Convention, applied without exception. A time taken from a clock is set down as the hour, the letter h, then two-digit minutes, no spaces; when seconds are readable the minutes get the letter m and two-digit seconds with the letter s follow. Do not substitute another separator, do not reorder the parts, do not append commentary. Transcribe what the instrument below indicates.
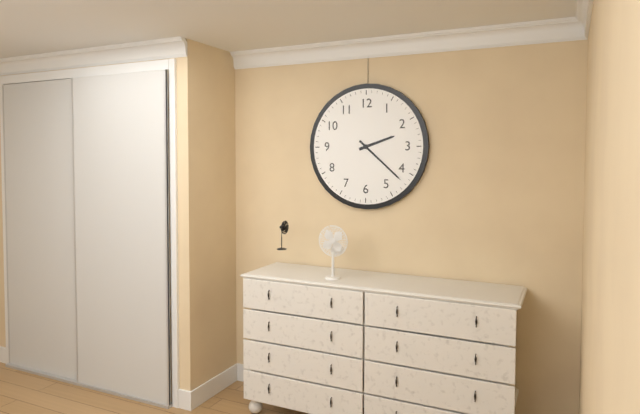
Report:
2h22
